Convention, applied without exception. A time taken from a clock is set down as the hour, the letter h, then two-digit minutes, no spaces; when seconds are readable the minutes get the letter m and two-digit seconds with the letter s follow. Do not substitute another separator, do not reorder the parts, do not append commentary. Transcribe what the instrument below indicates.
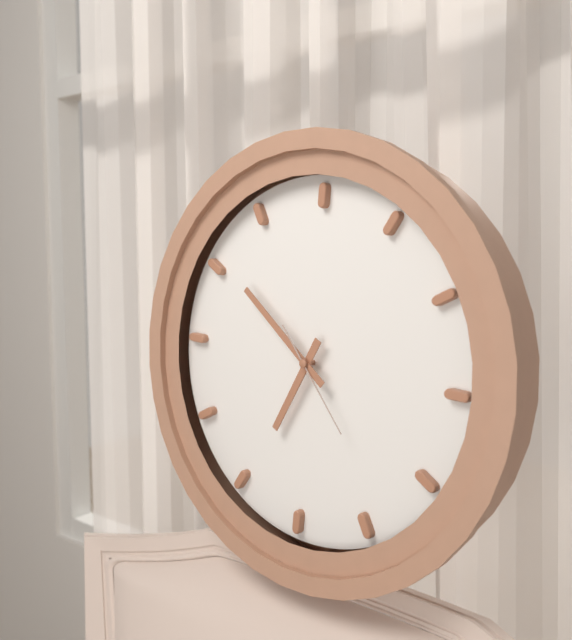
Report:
6h51m23s
